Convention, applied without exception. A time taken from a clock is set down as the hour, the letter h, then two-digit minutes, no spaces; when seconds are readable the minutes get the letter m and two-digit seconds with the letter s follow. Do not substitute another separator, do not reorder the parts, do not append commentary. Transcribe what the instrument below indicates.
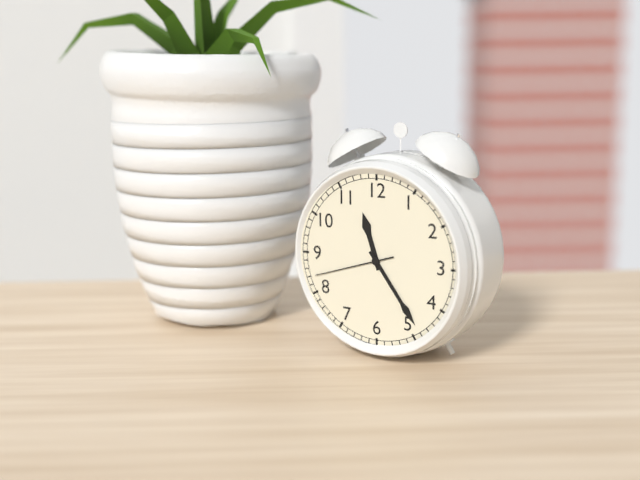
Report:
11h24m42s
